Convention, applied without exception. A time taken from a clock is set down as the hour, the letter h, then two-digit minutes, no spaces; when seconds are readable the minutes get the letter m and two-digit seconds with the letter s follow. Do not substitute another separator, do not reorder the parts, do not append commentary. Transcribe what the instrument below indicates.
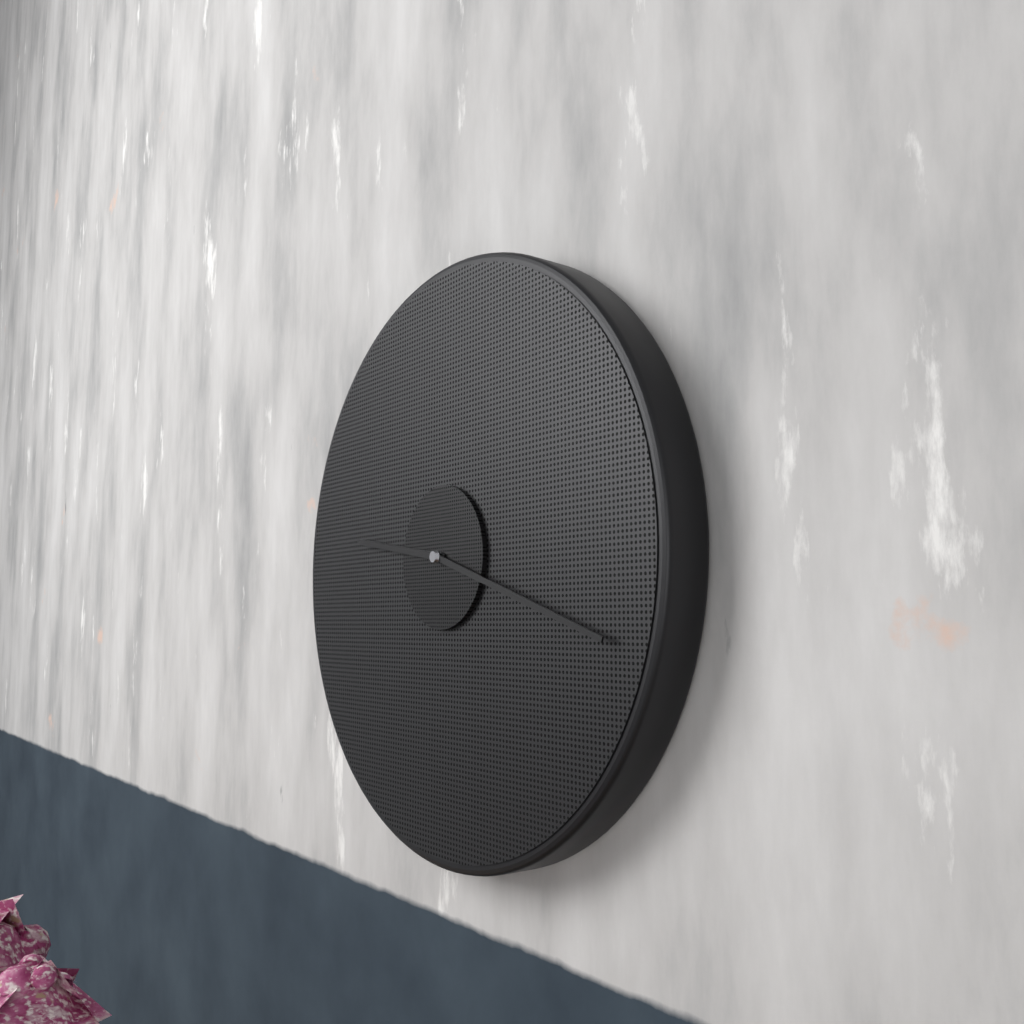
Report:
9h18
